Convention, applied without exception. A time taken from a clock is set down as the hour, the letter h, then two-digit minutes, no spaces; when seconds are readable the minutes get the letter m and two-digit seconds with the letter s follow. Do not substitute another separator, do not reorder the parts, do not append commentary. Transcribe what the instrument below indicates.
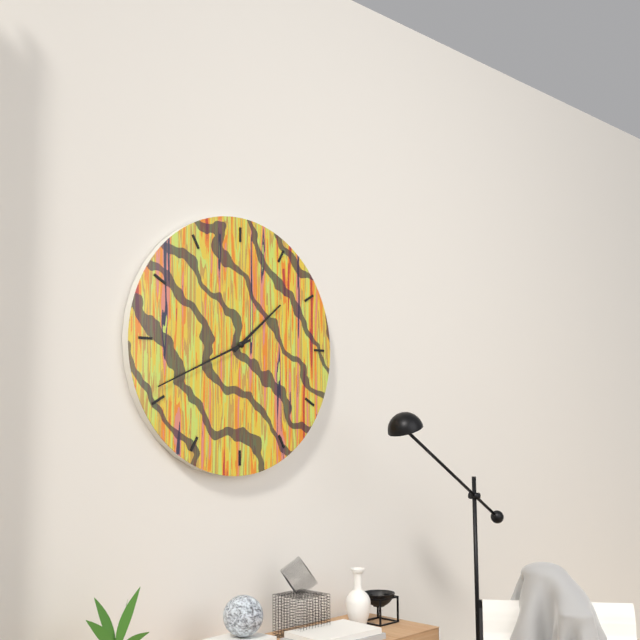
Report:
1h41
